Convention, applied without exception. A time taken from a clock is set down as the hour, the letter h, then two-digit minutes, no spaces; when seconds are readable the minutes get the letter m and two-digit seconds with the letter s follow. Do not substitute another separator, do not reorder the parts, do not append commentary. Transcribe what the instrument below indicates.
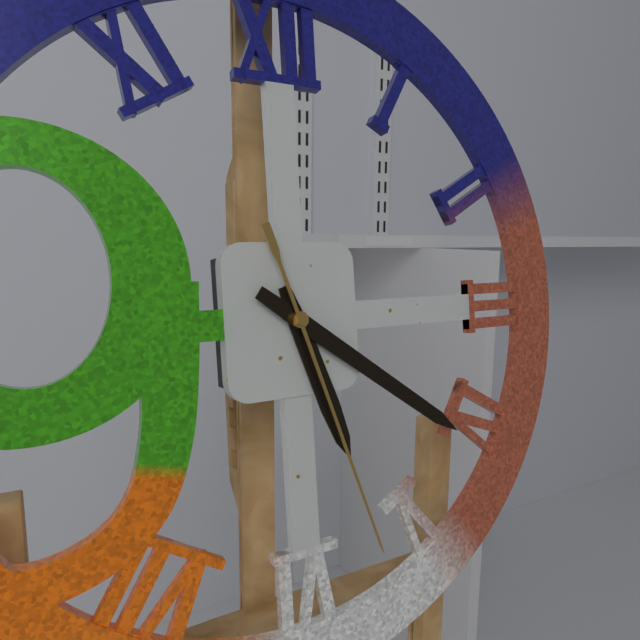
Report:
5h21m27s
